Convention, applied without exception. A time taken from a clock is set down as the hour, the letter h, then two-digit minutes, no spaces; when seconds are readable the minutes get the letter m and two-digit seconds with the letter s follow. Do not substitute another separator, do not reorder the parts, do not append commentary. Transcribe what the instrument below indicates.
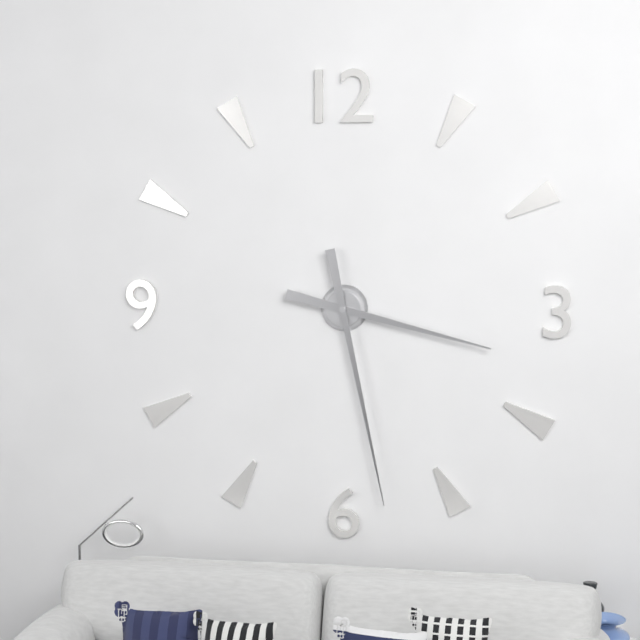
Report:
3h28
